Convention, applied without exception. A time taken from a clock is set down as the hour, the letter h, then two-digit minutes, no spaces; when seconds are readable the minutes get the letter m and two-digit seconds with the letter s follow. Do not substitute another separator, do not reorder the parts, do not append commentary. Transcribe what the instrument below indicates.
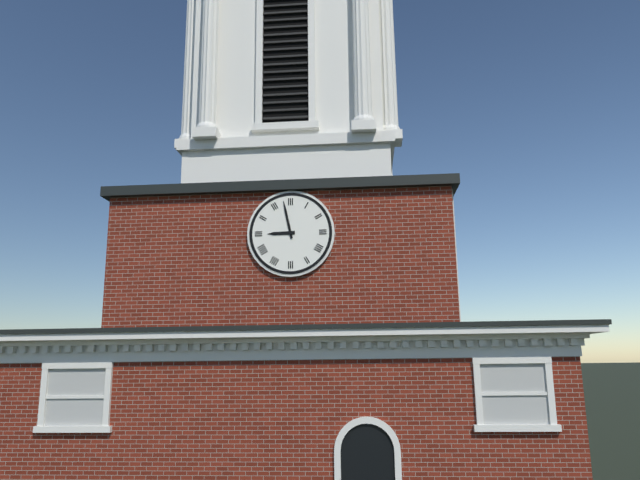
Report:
8h58
